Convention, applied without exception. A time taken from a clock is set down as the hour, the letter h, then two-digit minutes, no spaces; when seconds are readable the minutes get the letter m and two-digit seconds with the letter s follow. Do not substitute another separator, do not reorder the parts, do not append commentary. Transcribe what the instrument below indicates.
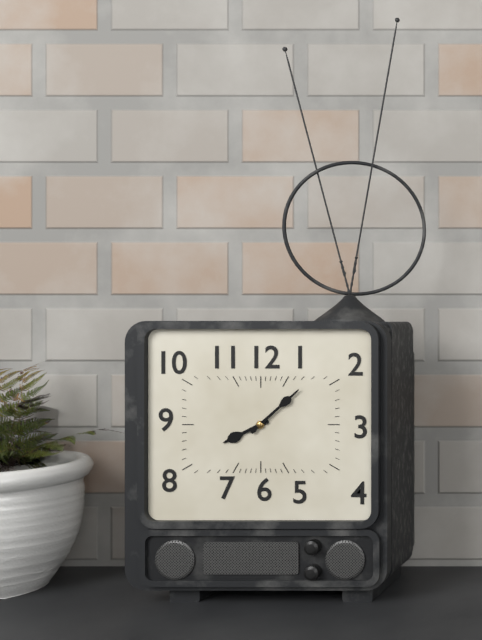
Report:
8h08
